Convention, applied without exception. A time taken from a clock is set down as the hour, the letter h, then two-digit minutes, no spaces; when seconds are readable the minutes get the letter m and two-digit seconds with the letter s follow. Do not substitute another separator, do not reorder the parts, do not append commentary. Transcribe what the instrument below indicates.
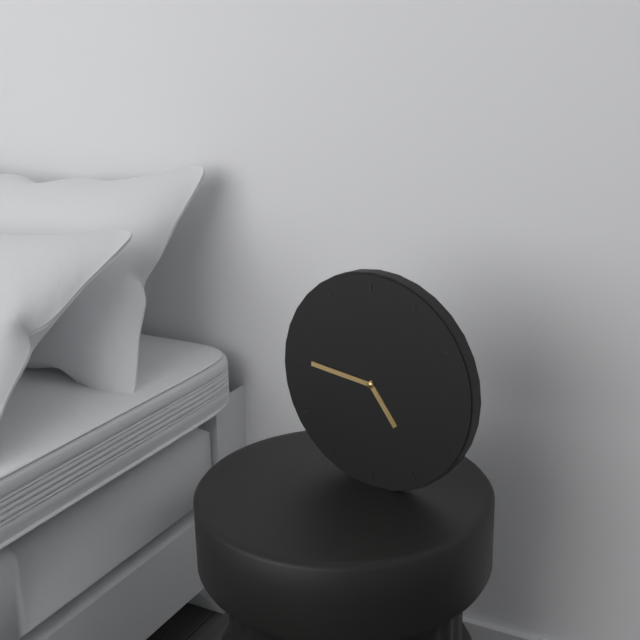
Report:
4h46
